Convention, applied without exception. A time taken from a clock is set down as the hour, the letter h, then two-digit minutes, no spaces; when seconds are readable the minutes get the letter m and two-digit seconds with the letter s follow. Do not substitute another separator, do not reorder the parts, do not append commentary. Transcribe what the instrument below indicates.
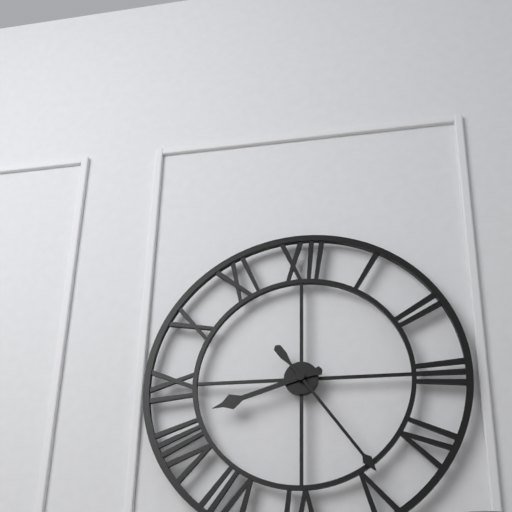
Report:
8h24
